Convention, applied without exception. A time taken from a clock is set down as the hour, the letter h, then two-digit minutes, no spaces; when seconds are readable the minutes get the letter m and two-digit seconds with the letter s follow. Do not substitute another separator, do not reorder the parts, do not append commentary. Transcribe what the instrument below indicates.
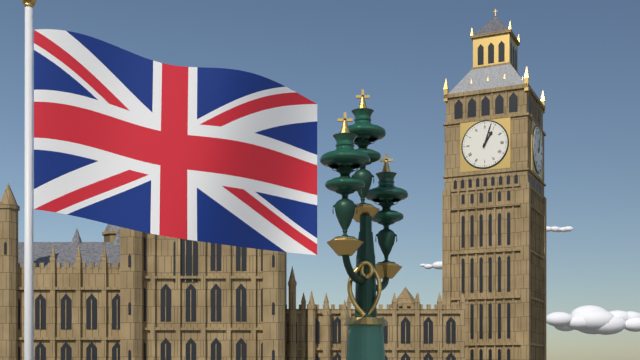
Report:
1h03
